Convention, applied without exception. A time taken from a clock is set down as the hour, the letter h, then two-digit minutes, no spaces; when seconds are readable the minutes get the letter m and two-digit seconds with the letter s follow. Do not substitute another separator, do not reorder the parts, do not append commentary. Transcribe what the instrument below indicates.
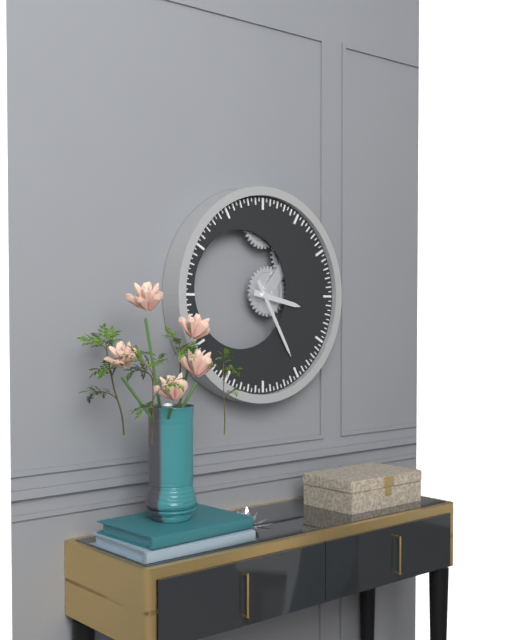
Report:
3h25
